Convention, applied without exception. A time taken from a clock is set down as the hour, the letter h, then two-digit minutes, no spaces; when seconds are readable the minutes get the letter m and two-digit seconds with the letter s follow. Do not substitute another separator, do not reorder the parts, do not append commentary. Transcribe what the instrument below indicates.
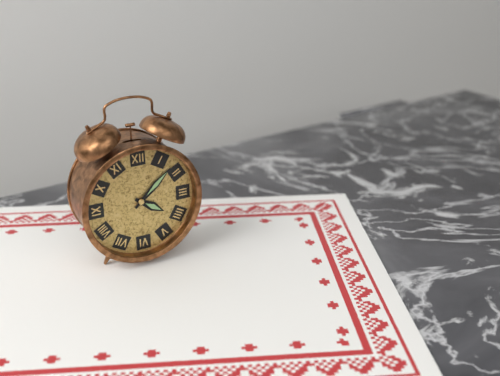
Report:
4h08
